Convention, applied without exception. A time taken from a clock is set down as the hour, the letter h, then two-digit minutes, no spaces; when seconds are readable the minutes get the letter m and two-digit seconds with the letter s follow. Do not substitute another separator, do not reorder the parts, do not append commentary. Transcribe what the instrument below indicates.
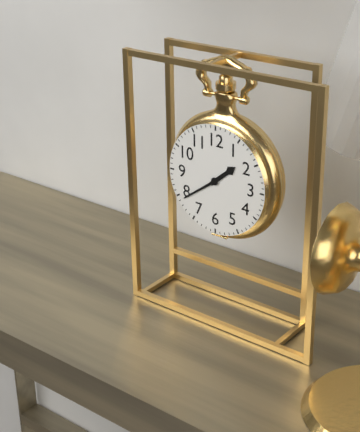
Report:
1h39
